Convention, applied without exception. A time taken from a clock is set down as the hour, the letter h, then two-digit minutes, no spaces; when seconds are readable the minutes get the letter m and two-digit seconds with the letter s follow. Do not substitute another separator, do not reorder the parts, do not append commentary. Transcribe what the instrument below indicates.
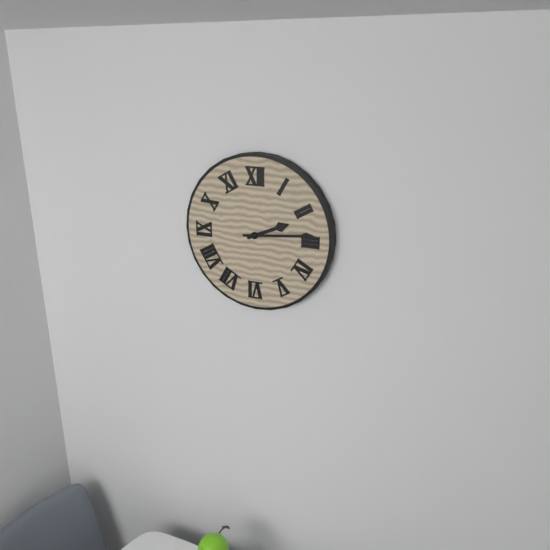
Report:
2h14
